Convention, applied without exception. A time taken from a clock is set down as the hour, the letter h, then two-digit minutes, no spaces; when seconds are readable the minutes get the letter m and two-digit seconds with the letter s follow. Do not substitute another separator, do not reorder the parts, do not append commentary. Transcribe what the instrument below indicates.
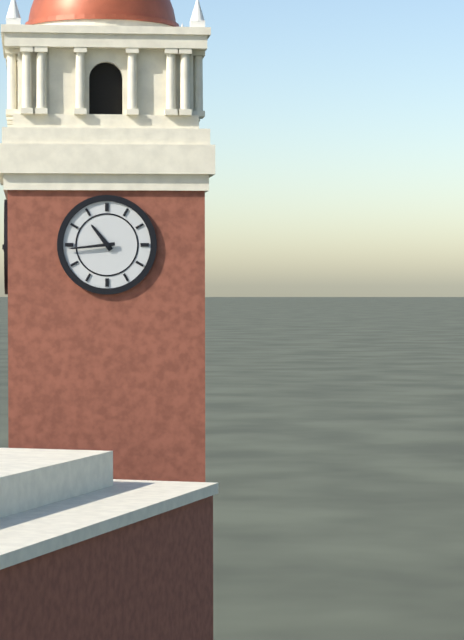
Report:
10h44
